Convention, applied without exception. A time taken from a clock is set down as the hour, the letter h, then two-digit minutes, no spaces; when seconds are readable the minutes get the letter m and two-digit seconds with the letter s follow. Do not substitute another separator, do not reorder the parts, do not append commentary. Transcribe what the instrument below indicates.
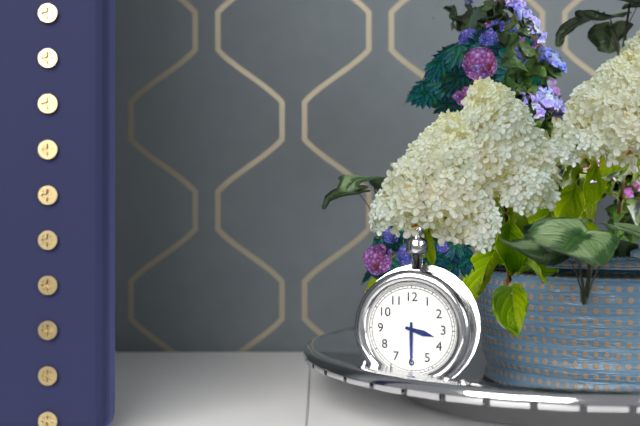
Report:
3h30
